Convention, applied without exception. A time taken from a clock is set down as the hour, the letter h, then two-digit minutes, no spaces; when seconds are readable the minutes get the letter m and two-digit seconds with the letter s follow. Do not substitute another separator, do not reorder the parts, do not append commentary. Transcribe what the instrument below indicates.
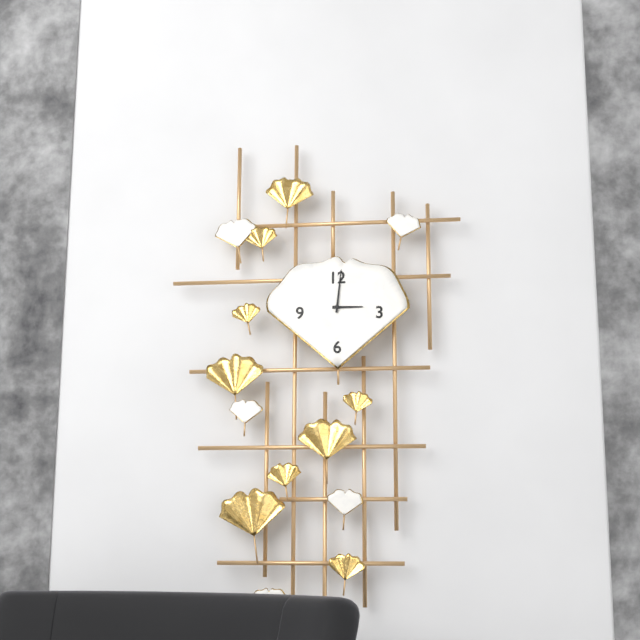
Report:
3h01
